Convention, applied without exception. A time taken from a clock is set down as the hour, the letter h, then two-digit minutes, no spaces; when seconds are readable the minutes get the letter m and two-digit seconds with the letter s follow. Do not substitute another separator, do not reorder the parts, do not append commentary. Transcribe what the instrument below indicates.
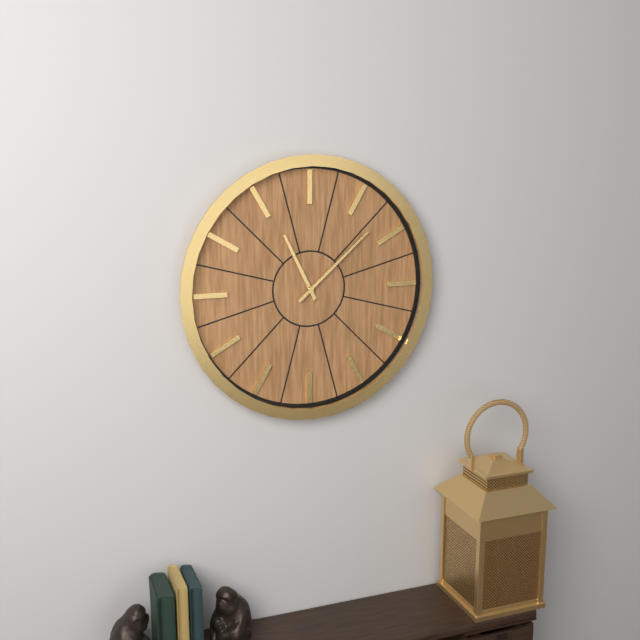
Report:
11h08
